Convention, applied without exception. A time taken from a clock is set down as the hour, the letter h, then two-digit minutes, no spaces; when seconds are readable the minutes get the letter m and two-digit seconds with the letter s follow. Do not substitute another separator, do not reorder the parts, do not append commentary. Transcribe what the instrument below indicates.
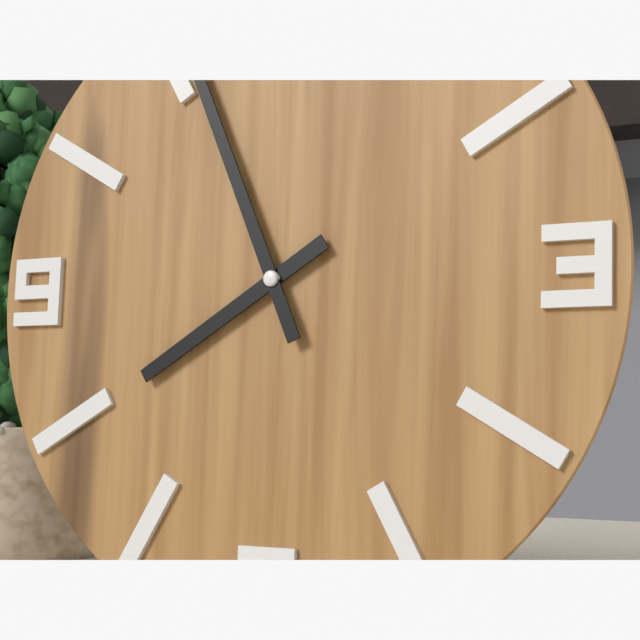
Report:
7h56
